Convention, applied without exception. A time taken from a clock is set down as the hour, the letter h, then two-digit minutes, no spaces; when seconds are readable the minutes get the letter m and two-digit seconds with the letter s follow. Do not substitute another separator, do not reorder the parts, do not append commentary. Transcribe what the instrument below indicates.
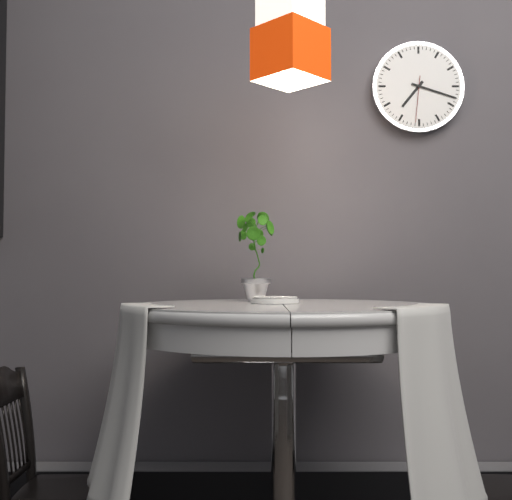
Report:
7h18
